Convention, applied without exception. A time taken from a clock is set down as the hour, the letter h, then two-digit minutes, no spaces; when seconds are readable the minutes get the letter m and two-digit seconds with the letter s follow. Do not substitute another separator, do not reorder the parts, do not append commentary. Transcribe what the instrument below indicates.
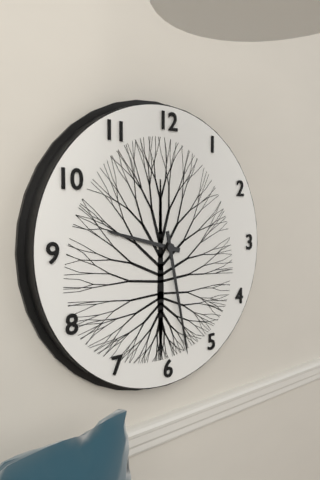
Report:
9h28
